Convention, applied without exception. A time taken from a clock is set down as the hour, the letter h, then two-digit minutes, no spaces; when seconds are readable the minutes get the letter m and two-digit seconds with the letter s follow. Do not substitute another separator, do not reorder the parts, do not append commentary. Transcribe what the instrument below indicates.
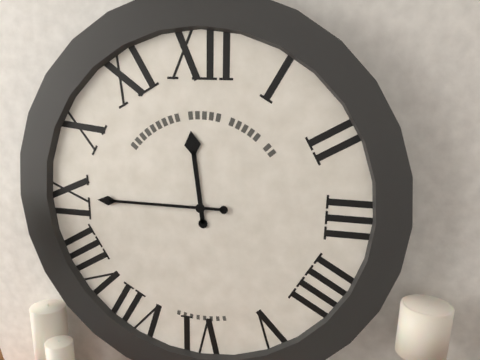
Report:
11h45
